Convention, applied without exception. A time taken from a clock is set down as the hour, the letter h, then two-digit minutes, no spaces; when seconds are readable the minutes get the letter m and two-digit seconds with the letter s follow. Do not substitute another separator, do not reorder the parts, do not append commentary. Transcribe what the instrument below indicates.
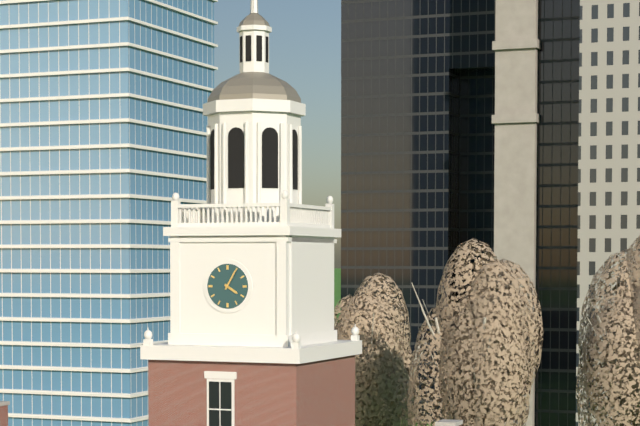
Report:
4h05
